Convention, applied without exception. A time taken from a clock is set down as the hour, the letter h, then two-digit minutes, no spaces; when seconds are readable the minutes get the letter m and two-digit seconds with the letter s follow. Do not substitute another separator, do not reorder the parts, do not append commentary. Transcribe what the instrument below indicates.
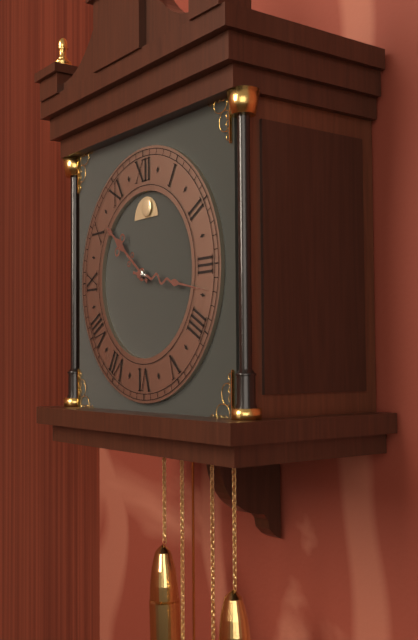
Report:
10h17
